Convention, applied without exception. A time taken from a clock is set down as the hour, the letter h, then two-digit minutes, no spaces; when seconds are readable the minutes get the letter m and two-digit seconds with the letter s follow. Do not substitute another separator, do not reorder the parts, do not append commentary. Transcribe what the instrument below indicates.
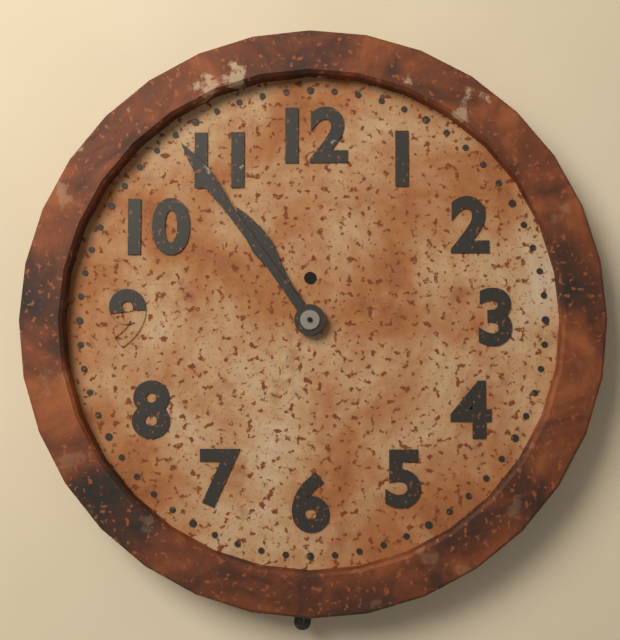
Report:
10h54
